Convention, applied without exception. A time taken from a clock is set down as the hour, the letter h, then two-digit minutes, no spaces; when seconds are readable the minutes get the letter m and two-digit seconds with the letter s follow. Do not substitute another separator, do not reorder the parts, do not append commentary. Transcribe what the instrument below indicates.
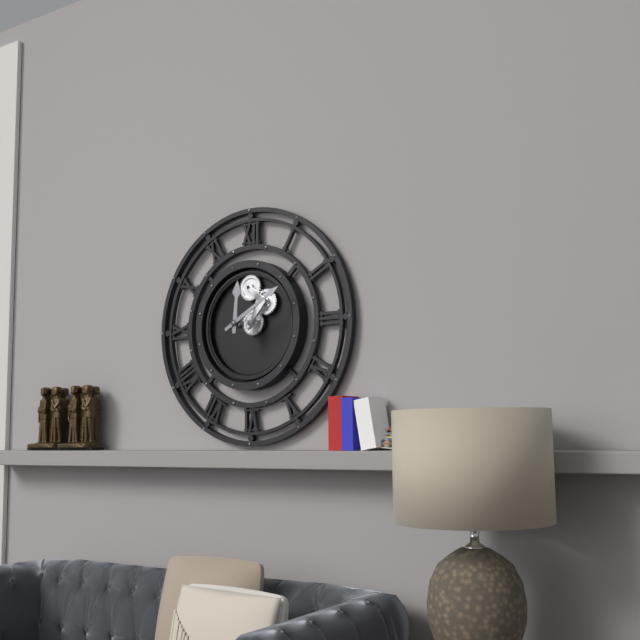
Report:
12h10
